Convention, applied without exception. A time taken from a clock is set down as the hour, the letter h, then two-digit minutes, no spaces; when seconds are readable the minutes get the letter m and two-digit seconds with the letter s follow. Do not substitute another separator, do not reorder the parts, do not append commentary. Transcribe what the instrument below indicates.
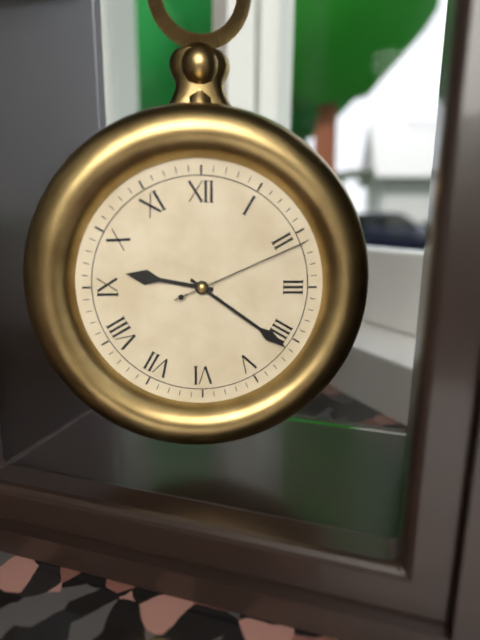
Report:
9h21m11s
